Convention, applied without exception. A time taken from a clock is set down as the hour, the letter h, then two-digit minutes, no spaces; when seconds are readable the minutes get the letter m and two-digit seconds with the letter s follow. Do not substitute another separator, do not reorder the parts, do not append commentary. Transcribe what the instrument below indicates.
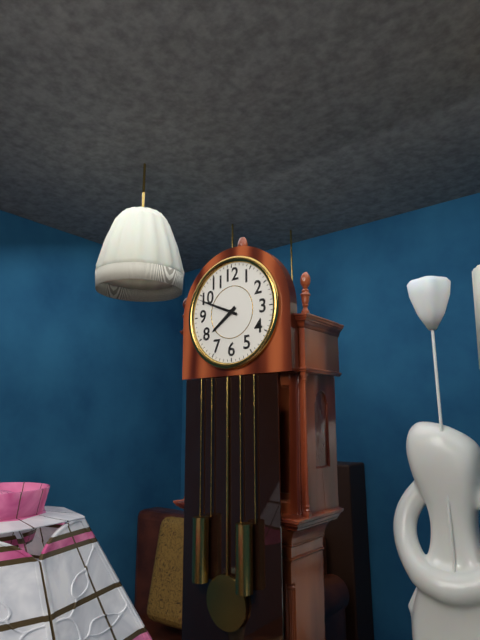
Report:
7h49
